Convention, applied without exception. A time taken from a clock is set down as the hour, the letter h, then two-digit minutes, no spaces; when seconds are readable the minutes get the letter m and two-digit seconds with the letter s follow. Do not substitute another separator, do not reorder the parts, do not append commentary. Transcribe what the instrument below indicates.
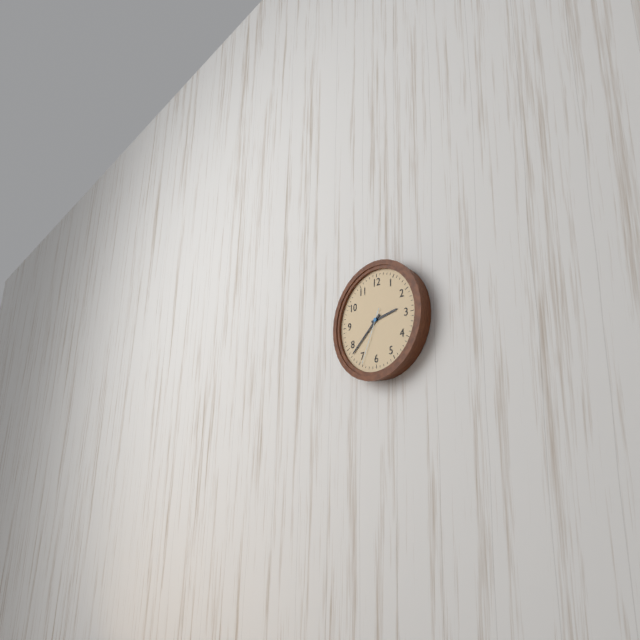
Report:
2h38m34s
